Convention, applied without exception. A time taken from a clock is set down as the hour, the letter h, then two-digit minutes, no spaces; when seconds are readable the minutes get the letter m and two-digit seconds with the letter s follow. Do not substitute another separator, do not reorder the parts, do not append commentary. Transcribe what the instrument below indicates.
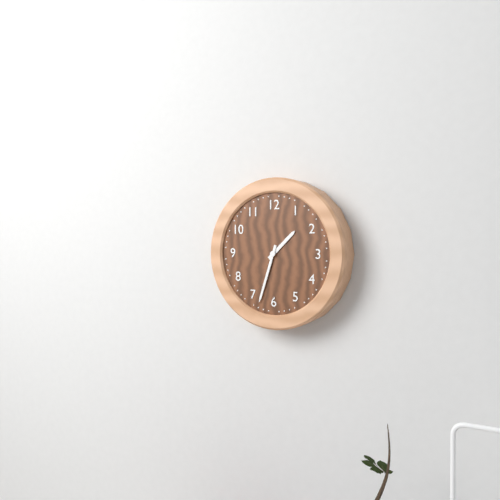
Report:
1h33
